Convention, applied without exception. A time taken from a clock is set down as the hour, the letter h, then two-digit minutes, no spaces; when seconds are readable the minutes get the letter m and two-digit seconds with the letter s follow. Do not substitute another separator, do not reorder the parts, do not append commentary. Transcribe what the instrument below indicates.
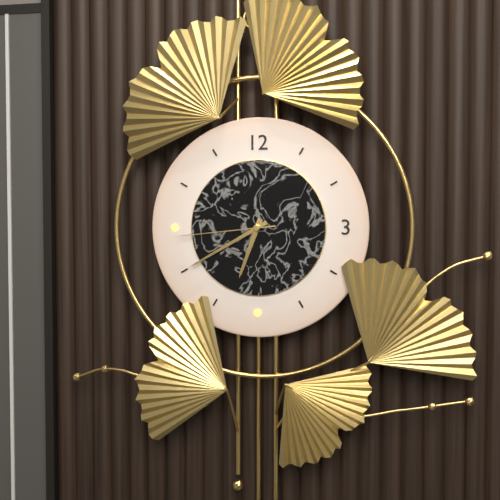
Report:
6h40m44s
